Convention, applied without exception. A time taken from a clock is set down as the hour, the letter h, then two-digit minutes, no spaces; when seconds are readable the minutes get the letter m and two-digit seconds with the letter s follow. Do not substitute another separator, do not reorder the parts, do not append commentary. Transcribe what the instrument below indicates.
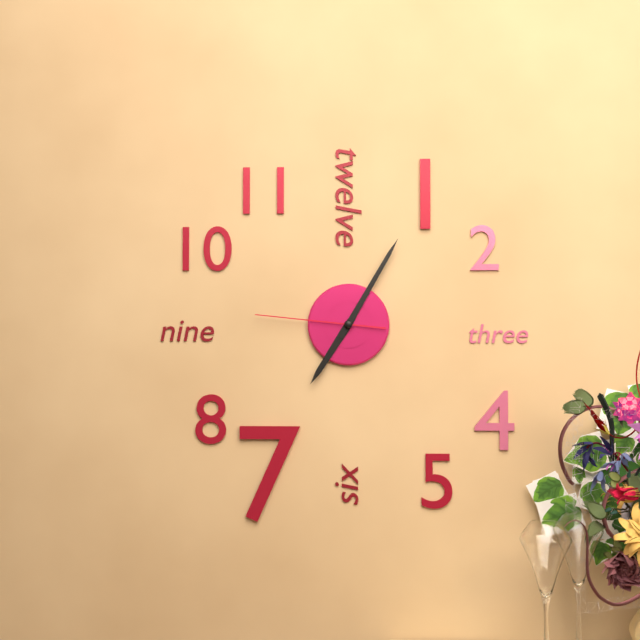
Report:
7h05m46s
